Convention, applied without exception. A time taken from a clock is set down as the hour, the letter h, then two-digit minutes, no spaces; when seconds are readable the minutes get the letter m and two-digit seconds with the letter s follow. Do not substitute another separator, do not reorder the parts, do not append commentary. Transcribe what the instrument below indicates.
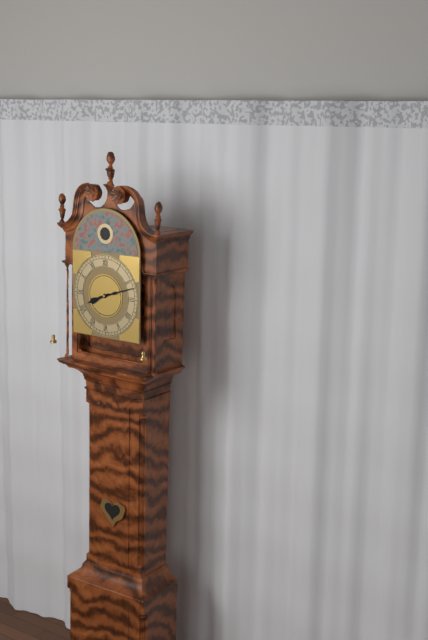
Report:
8h12
